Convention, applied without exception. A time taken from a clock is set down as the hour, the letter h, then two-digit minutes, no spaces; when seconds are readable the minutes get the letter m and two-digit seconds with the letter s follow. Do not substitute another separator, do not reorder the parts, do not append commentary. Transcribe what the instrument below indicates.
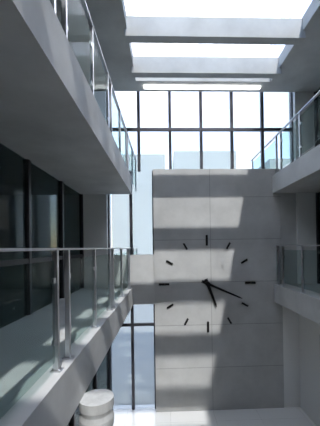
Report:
5h19
